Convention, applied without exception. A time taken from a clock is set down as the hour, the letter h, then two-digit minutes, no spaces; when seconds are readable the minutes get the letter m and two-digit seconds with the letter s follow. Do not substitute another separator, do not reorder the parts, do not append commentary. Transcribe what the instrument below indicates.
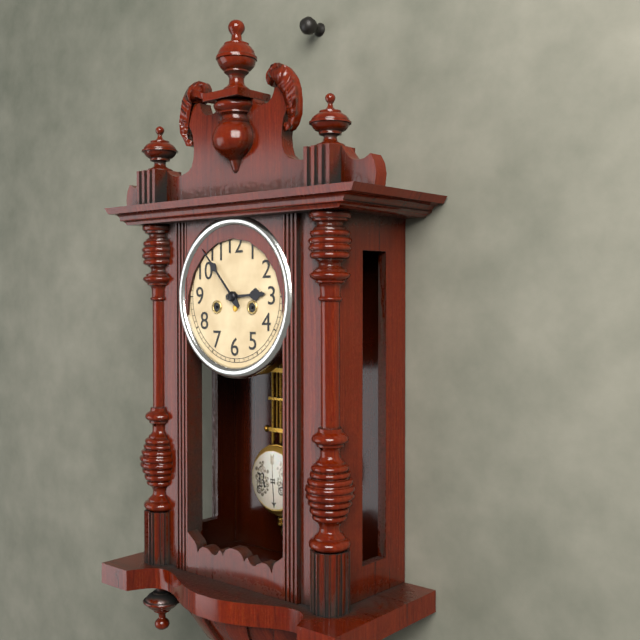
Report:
2h53
